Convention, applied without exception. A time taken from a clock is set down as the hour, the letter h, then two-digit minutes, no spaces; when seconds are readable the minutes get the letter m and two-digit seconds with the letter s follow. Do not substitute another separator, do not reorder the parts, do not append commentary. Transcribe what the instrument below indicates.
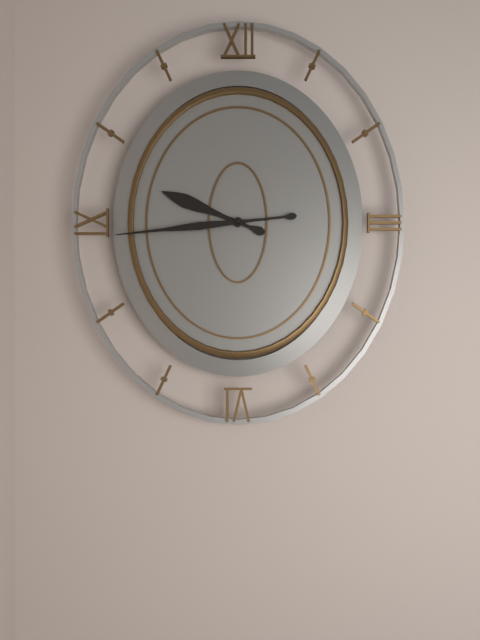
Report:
9h44
